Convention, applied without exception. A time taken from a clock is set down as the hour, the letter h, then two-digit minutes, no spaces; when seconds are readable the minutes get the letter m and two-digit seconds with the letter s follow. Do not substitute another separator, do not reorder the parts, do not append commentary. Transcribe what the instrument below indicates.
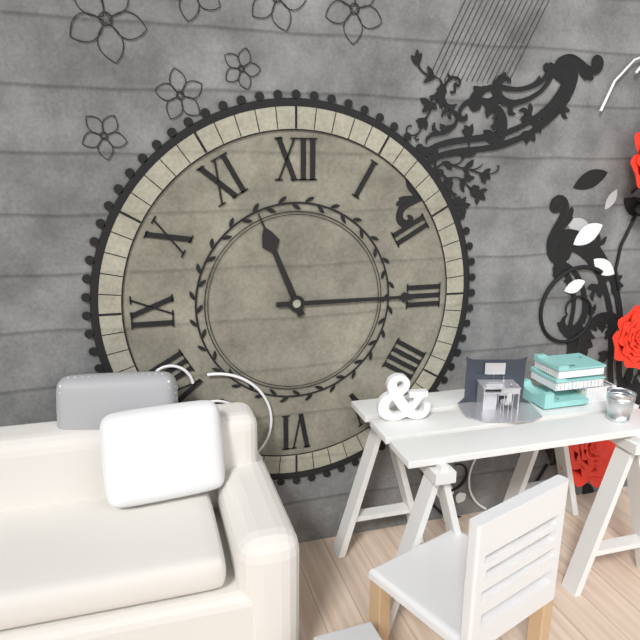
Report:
11h15
